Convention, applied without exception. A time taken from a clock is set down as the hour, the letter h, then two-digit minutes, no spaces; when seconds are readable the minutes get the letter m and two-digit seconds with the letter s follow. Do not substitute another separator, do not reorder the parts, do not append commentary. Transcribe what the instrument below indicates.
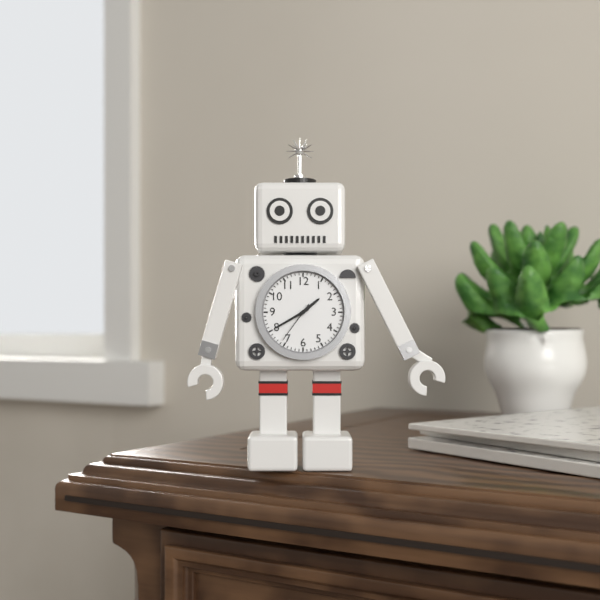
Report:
1h40
